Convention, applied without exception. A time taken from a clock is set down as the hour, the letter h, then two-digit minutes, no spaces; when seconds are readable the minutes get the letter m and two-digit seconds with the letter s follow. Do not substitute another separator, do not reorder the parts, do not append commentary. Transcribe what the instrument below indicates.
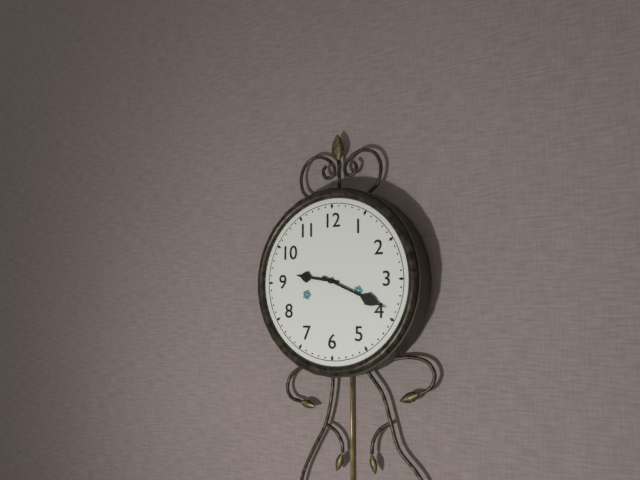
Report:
9h19
